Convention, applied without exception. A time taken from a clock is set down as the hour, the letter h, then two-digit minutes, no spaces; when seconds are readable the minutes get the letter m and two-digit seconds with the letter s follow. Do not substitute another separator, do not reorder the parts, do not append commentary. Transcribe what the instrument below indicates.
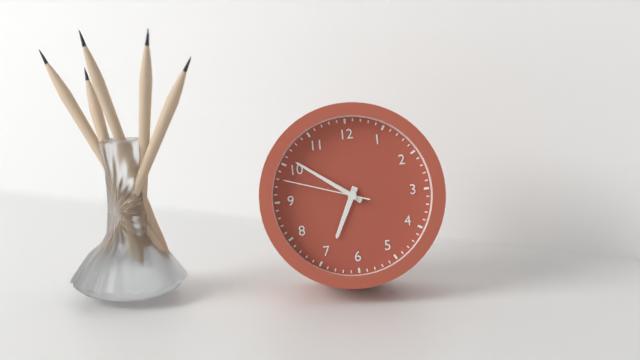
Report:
6h51m48s
